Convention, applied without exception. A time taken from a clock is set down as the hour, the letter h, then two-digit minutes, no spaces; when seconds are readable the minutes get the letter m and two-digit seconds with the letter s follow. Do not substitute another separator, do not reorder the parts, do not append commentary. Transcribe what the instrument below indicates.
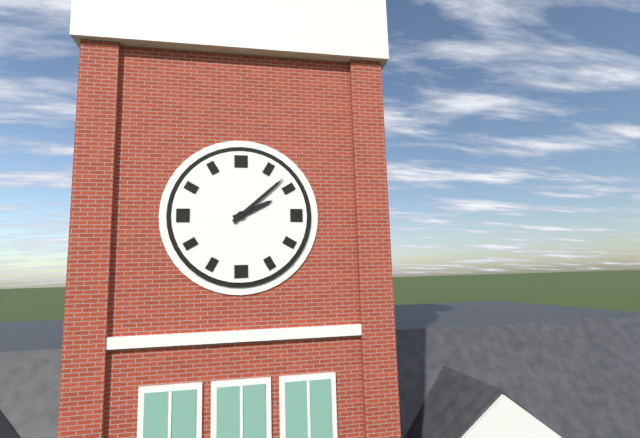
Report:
2h08
